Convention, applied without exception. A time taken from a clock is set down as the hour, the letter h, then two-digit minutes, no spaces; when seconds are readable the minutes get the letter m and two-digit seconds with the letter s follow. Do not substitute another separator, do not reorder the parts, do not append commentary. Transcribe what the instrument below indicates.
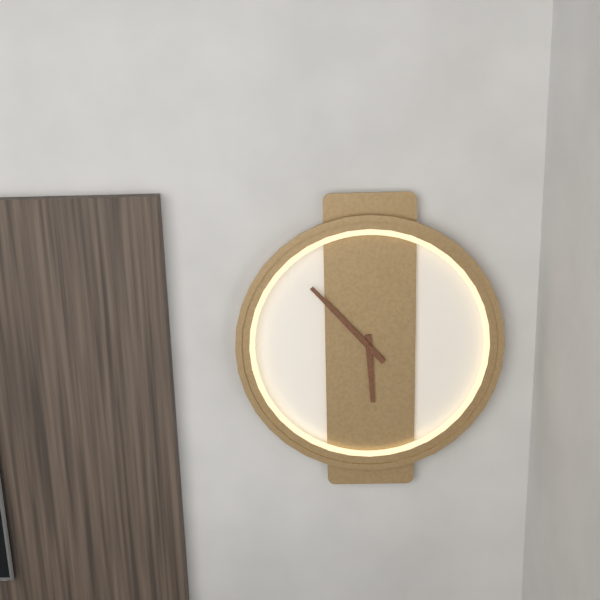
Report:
5h53
